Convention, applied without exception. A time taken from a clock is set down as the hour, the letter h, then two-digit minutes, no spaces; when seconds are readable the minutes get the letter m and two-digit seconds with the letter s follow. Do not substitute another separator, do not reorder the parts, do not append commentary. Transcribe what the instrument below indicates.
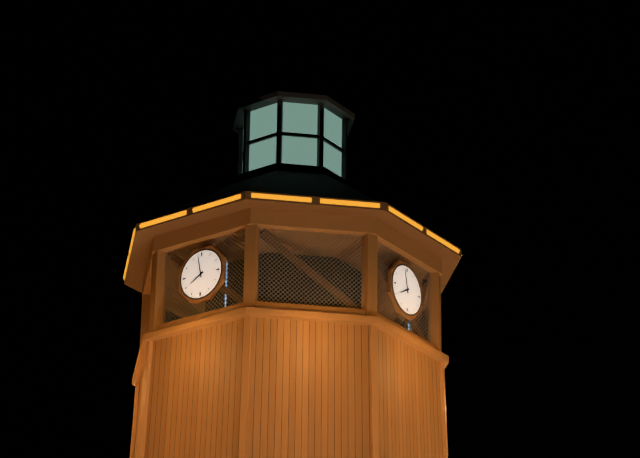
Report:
7h58
